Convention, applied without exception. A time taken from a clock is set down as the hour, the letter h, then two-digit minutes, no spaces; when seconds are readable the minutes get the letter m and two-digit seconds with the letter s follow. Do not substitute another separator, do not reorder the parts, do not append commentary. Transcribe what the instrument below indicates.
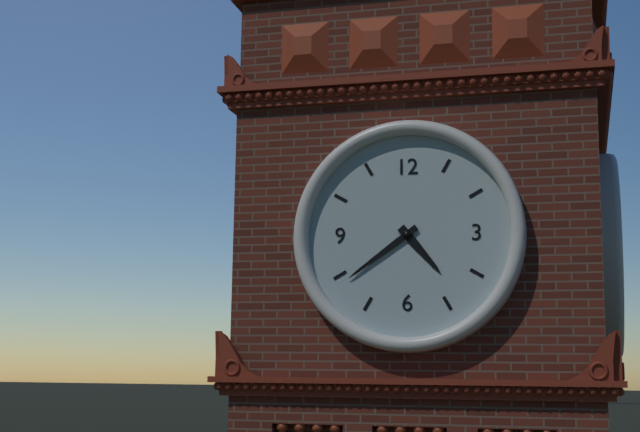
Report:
4h39
